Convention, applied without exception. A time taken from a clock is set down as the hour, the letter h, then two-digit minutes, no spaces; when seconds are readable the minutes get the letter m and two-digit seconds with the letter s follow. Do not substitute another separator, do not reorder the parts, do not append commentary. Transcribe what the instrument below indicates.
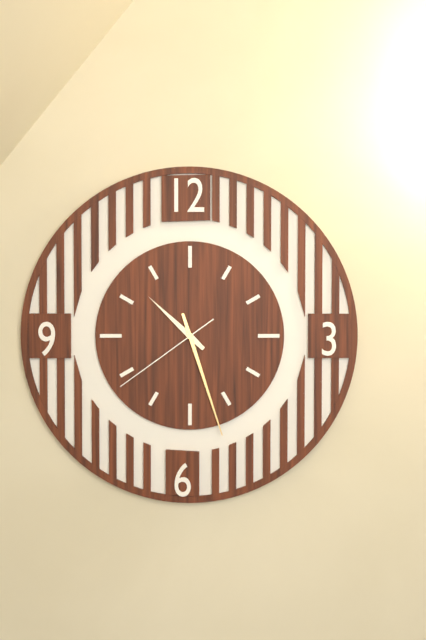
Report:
10h27m39s
